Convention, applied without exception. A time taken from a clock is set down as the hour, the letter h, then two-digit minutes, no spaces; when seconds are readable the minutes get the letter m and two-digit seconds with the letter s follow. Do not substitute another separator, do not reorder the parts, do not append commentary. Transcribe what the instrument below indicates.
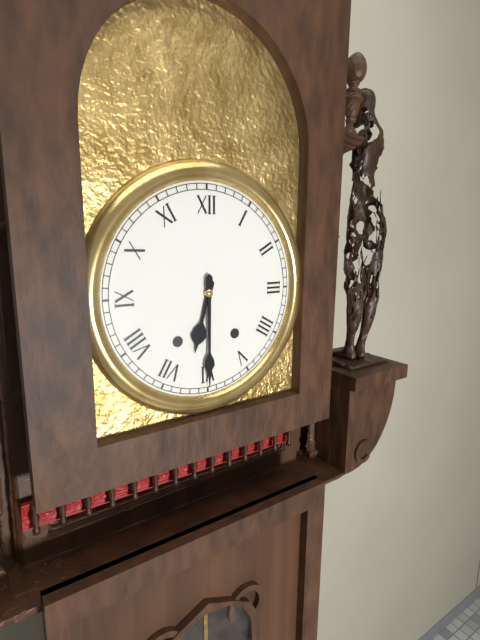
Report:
6h30
